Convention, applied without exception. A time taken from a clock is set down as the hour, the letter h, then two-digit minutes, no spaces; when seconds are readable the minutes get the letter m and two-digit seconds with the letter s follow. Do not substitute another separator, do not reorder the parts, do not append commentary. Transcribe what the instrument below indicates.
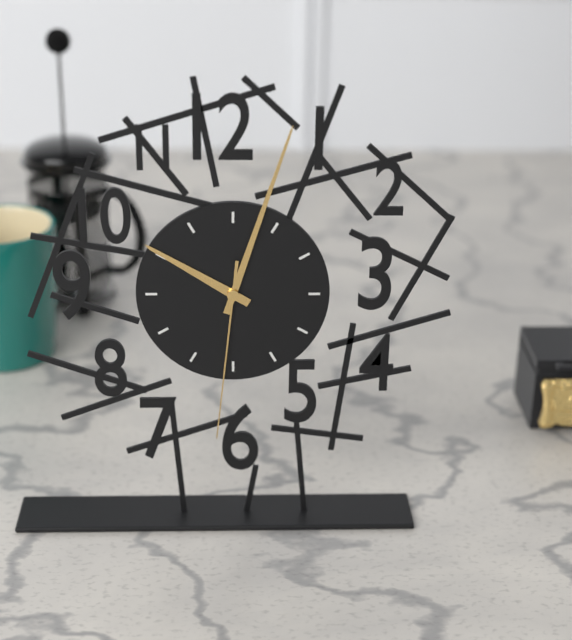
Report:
10h03m31s
